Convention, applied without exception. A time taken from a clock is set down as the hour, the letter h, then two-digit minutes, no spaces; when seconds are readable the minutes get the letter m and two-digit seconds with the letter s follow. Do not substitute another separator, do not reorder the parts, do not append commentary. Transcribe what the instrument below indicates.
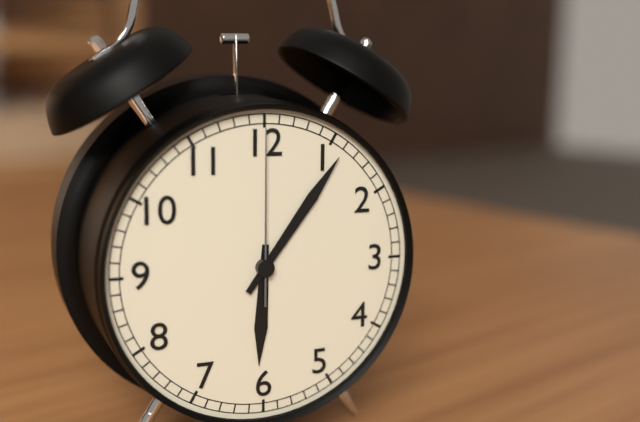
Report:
6h06m00s
